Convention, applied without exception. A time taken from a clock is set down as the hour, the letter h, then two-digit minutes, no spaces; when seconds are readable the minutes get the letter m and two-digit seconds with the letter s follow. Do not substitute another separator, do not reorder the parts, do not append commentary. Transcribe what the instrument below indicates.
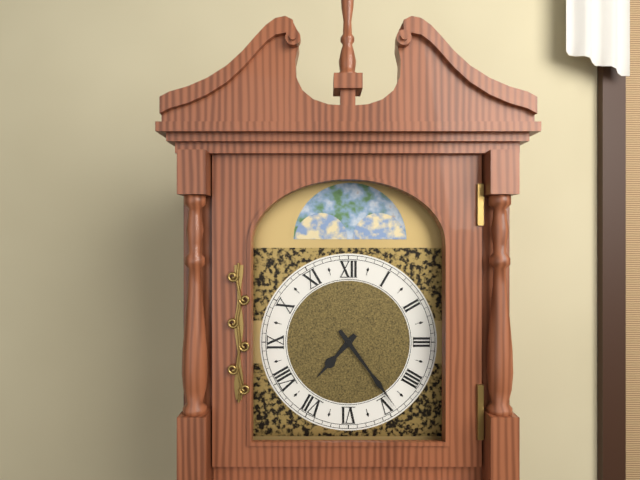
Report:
7h24
